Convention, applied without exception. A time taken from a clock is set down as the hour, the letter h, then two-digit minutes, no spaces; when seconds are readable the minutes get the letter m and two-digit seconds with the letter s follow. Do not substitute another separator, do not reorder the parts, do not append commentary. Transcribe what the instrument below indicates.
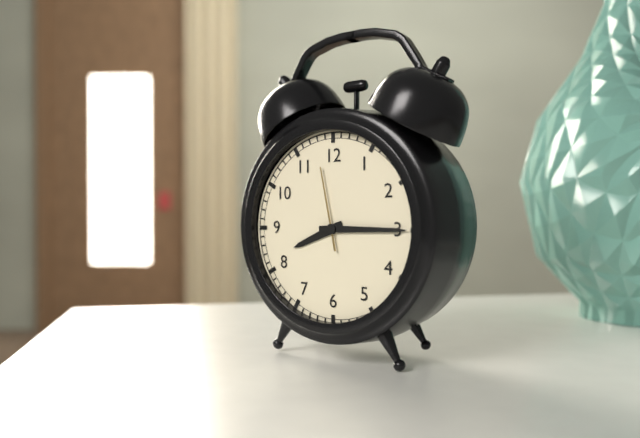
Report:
8h15m58s
